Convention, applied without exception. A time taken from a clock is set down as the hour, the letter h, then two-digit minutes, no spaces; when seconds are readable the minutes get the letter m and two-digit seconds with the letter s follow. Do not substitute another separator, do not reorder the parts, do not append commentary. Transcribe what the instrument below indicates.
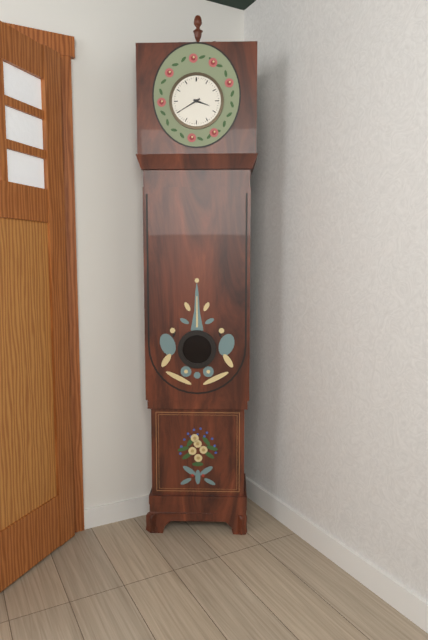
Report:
3h40
